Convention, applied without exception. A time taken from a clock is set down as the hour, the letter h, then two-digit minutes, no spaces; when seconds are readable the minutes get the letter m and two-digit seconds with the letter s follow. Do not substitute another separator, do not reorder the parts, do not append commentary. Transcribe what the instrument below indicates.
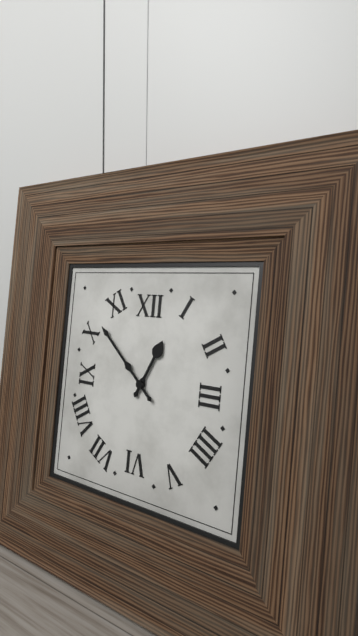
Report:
12h52
